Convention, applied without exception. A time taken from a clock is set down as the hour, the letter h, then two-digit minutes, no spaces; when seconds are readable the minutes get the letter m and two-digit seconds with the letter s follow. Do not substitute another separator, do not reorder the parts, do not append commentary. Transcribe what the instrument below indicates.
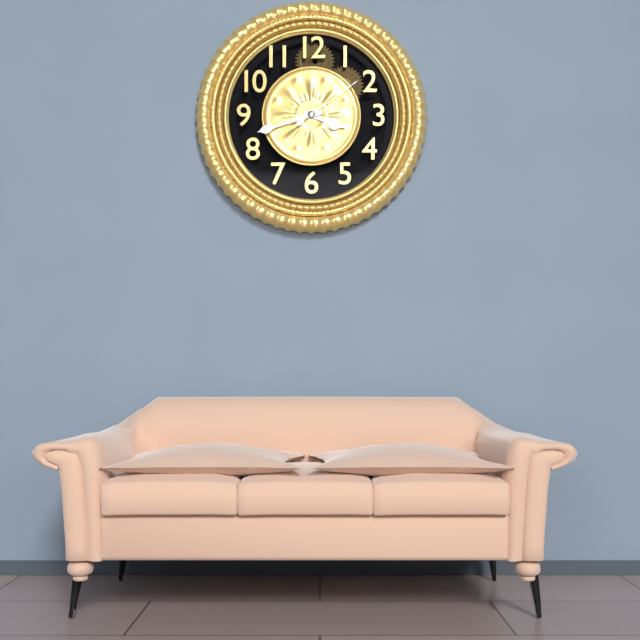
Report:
3h42m09s
